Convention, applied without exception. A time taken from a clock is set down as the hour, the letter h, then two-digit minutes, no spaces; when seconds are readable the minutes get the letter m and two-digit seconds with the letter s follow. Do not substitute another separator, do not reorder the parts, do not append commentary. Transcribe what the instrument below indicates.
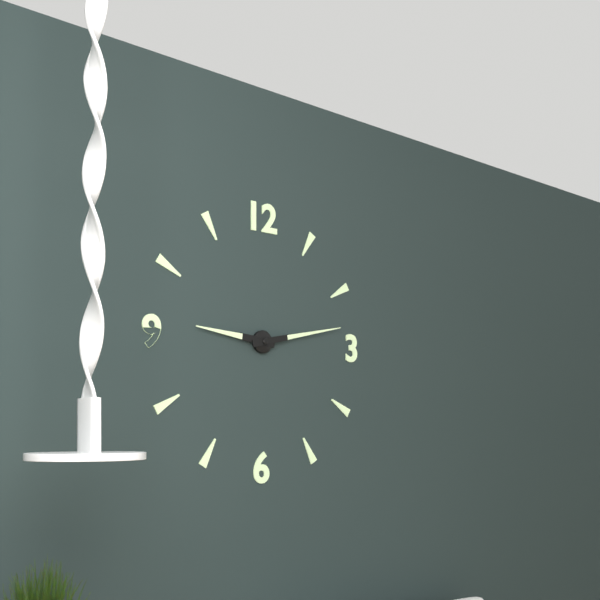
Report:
9h13
